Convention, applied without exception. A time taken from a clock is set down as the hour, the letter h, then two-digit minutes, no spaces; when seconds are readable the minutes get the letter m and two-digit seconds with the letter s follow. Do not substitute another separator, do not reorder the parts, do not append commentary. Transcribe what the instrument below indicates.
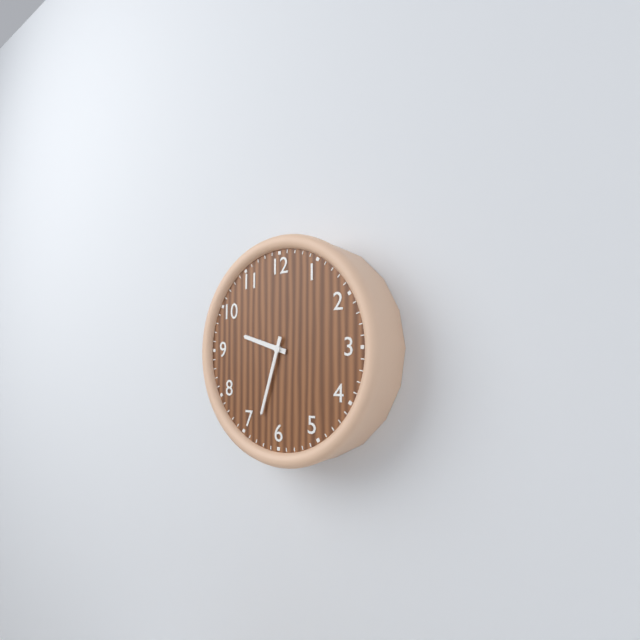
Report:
9h33
